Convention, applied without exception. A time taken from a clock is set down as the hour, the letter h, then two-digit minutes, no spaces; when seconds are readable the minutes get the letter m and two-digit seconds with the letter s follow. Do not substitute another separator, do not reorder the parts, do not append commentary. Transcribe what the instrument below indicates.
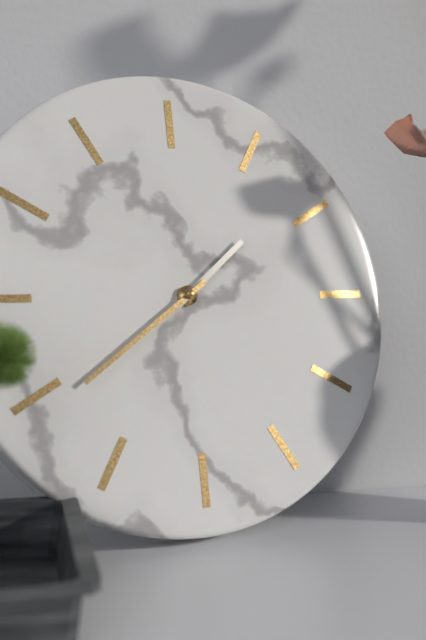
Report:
1h39
